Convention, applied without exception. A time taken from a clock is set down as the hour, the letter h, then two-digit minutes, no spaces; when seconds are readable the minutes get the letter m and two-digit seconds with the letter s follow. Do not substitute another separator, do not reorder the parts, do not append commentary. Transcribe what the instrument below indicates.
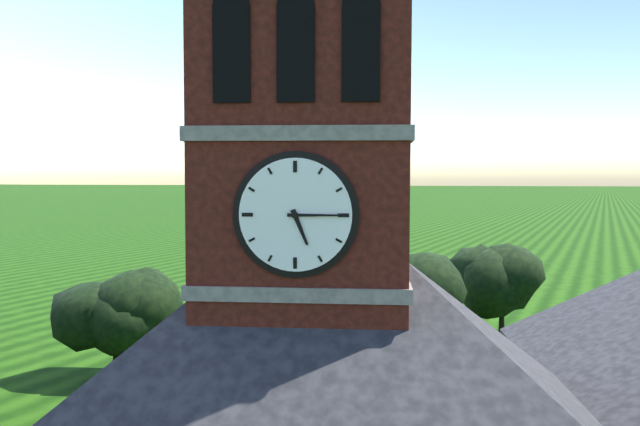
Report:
5h15
